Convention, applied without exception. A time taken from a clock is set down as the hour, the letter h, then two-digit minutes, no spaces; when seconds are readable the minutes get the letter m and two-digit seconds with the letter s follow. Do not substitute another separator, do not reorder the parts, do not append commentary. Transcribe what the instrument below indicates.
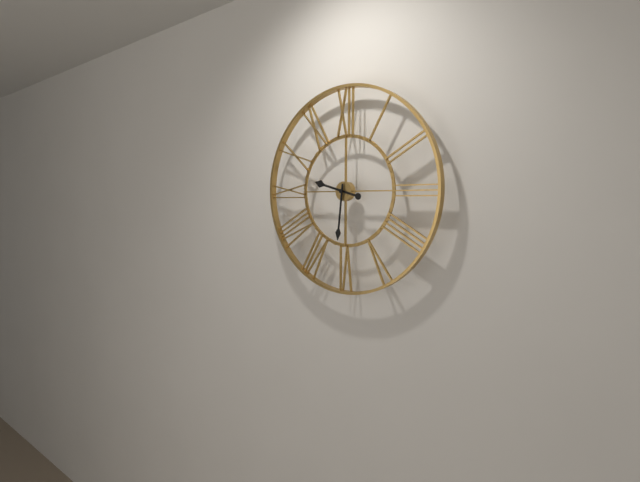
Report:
9h31
